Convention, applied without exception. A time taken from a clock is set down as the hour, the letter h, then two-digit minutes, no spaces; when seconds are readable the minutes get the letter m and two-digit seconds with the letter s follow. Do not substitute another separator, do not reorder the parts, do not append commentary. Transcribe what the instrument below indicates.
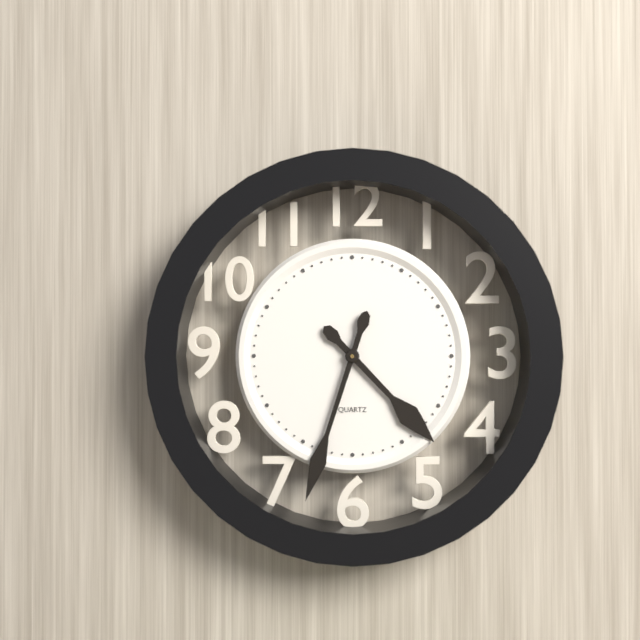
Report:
4h33
